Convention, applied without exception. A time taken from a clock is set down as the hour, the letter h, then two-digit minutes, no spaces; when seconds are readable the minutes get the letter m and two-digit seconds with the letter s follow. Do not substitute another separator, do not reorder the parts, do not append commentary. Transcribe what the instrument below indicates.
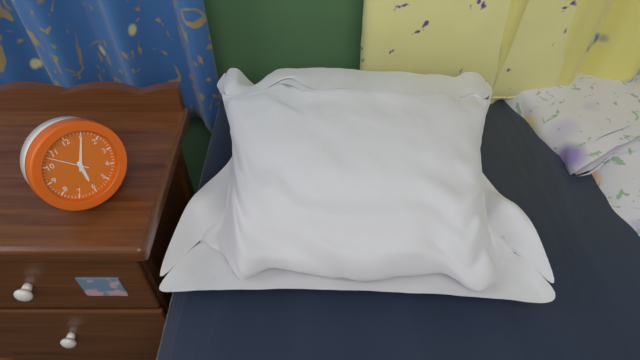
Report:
6h05
